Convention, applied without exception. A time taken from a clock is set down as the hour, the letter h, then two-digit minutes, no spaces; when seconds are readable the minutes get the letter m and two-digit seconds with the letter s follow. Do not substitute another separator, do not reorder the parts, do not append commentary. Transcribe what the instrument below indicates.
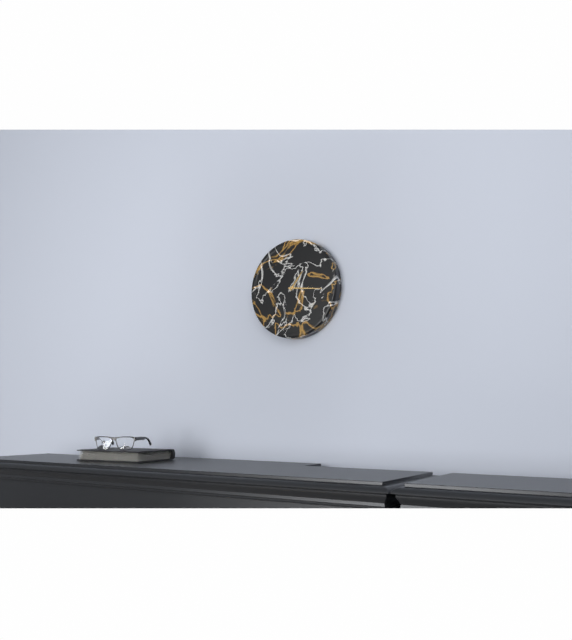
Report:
1h16
